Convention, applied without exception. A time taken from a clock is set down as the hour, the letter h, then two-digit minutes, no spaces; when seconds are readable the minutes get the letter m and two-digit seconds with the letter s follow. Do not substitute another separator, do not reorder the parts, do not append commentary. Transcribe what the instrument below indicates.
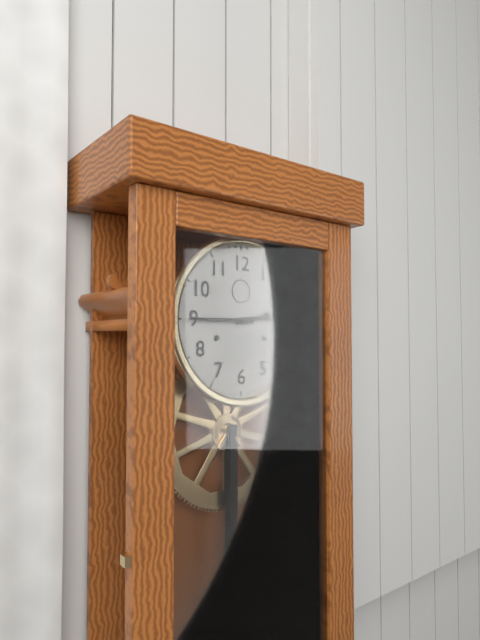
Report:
2h45
